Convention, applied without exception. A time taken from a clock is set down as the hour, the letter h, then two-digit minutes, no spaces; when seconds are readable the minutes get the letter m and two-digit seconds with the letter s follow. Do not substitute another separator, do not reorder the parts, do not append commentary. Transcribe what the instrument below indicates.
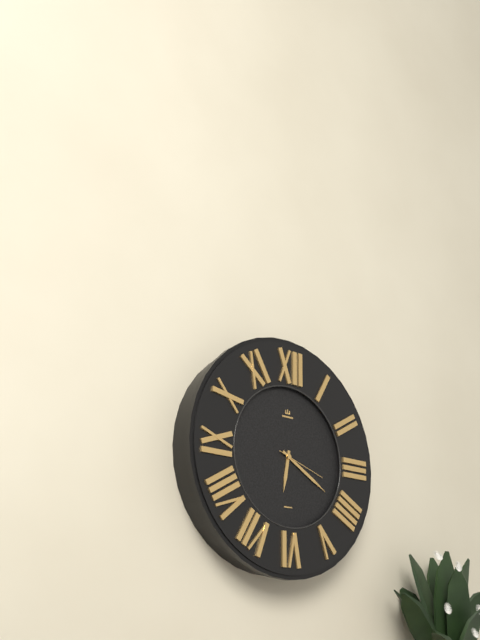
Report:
6h20m18s
